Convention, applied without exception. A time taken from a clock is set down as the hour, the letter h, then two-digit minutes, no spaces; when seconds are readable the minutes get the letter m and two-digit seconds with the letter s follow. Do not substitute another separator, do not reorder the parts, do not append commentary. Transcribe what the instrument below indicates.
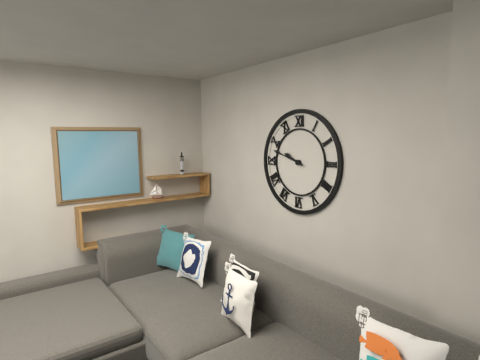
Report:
9h48
